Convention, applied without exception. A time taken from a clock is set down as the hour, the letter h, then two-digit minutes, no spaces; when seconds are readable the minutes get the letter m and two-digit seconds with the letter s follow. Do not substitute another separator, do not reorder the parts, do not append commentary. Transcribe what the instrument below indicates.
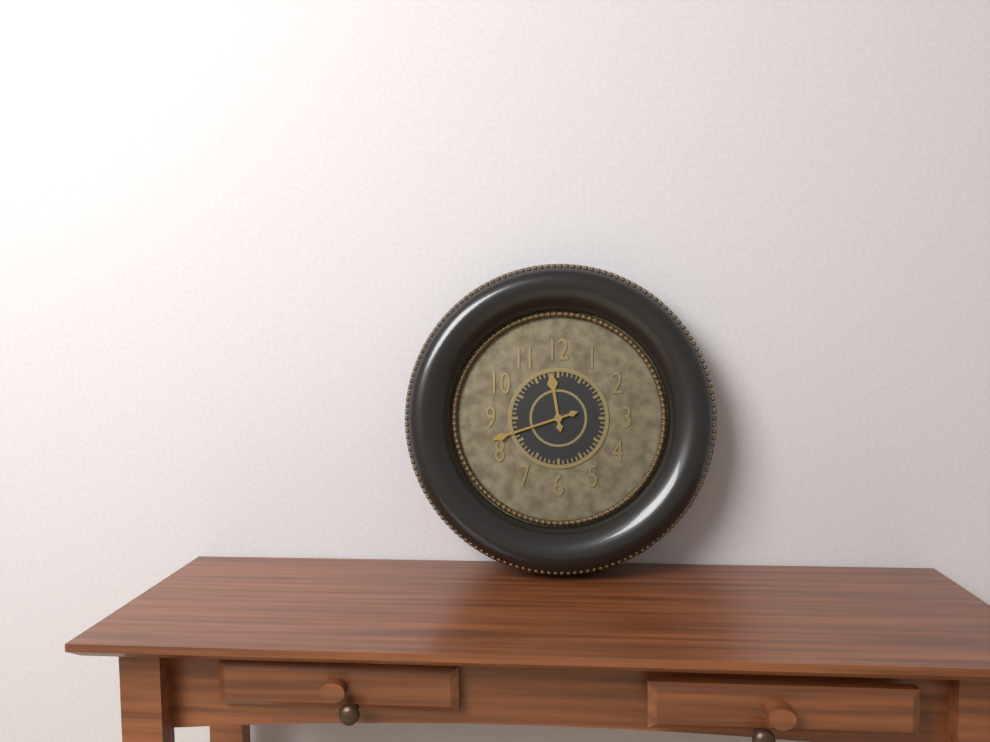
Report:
11h42
